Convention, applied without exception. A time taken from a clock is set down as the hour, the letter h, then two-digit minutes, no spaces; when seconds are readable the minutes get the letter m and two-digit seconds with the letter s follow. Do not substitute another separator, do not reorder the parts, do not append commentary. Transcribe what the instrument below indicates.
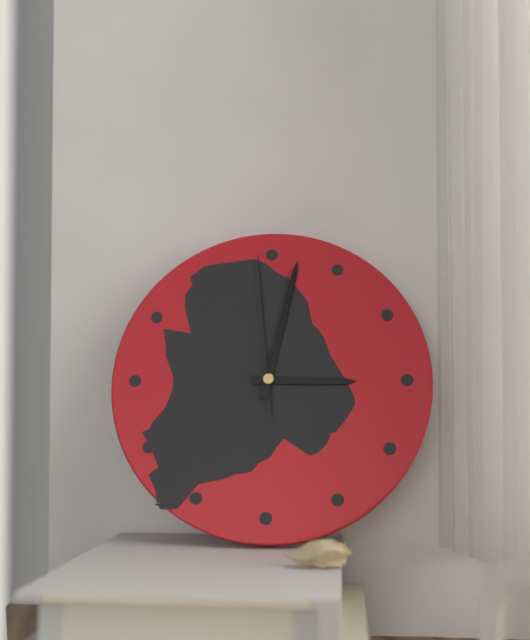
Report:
3h02m59s
